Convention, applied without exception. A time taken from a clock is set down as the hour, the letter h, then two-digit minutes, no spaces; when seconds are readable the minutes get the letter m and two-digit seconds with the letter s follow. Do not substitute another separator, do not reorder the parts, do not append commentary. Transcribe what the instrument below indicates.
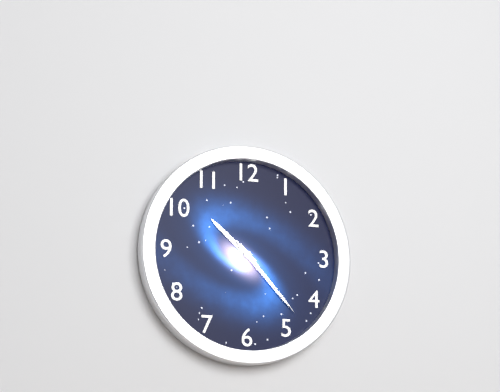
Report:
10h23m23s
